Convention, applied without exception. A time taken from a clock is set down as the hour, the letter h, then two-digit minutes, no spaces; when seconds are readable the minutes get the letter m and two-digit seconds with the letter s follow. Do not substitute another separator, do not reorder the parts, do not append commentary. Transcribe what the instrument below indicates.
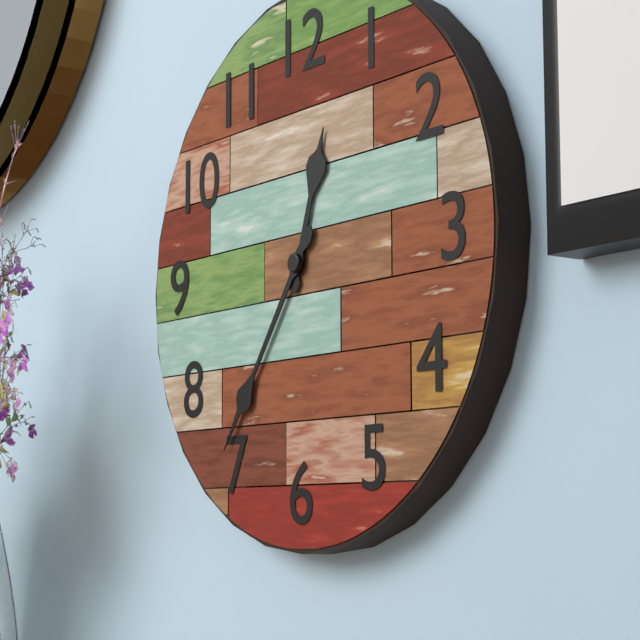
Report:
12h36
